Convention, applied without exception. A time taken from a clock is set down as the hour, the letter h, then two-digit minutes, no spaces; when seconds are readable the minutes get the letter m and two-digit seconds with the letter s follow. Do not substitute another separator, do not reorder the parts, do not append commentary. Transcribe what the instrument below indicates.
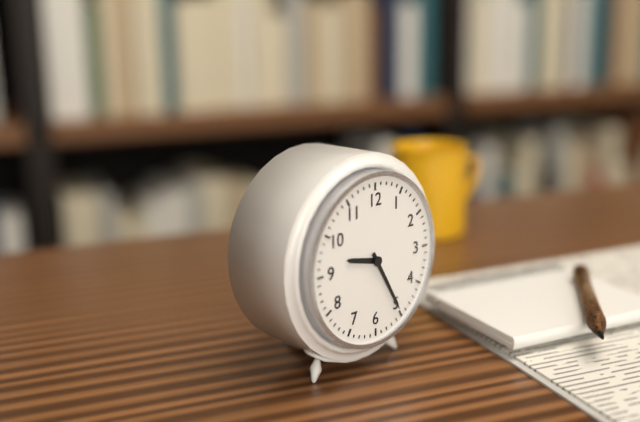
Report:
9h25
